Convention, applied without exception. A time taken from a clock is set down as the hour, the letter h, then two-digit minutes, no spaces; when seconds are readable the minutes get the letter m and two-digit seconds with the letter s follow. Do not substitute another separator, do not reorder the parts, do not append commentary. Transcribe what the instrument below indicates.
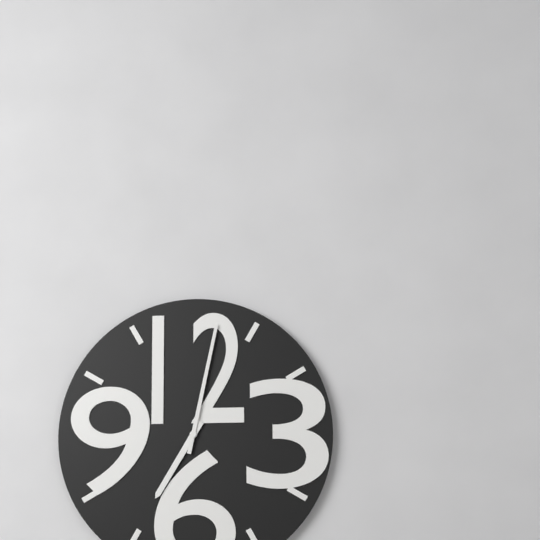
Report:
7h02
